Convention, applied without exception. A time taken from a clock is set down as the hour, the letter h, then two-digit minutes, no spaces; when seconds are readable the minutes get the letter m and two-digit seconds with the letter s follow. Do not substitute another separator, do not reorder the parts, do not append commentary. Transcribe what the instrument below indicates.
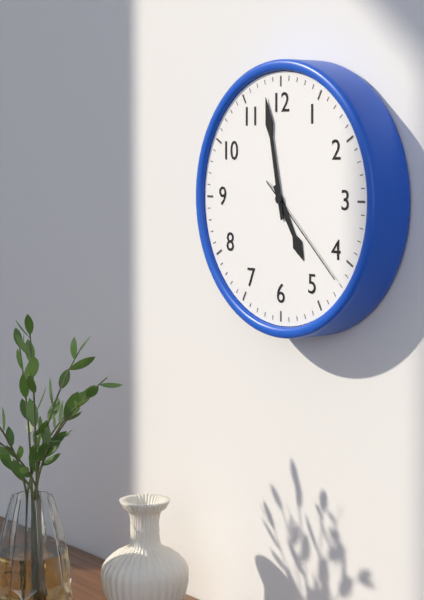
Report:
4h58m22s
